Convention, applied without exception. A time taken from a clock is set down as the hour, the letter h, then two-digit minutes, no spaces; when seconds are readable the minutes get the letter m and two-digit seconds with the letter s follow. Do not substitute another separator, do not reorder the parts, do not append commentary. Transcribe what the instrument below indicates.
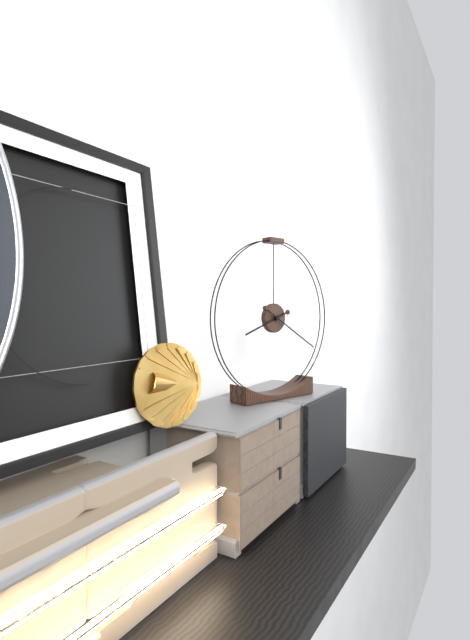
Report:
8h20
